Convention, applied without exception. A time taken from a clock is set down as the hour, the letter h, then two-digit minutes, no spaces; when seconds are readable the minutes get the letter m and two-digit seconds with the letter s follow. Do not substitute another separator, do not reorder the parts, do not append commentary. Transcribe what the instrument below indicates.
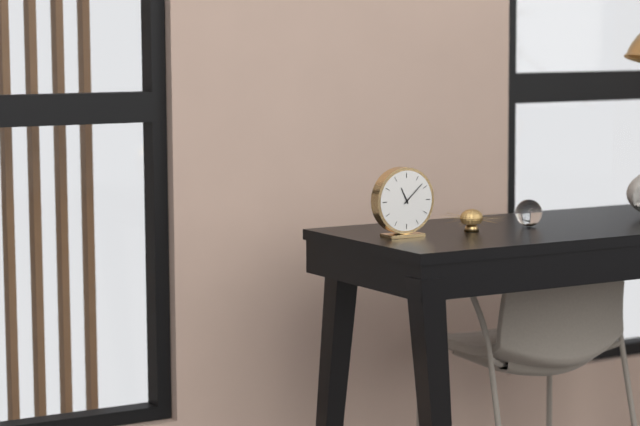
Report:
11h08
